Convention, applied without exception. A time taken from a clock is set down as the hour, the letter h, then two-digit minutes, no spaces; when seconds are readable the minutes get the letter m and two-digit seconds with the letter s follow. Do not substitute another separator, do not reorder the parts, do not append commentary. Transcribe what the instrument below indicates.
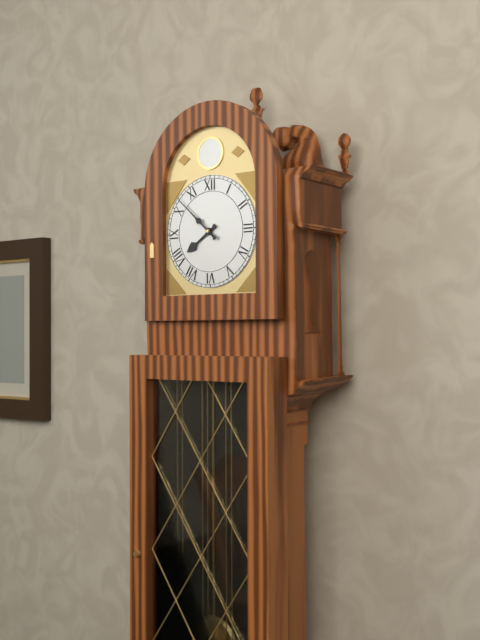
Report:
7h52
